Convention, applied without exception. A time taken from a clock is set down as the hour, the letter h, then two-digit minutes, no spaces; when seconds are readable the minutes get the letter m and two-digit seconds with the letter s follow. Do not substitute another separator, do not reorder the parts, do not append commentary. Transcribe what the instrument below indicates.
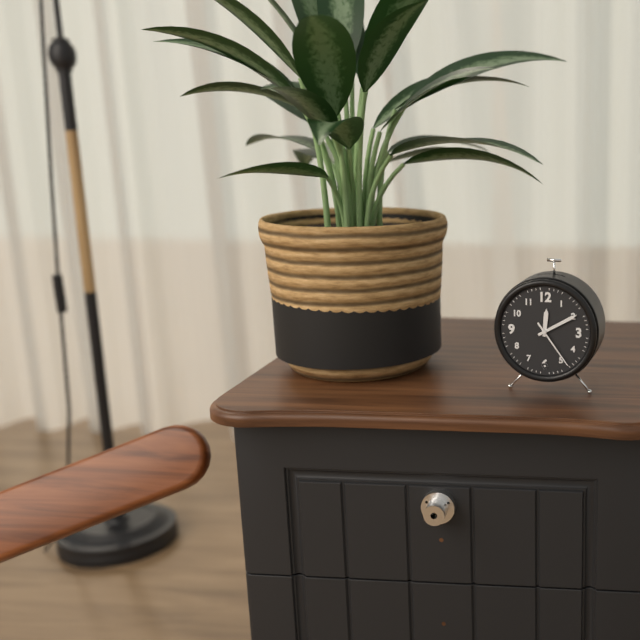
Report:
12h10m24s
